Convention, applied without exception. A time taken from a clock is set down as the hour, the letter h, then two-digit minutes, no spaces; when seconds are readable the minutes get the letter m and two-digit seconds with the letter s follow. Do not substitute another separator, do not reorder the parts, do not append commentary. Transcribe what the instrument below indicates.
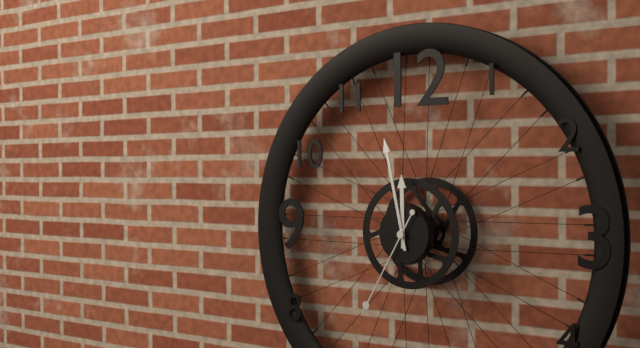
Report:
11h58m35s
